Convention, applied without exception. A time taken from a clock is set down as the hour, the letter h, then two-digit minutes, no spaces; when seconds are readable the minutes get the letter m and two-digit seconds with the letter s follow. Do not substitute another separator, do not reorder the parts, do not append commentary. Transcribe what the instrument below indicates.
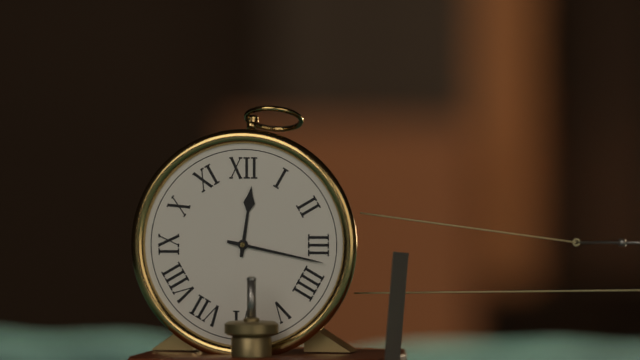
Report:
12h17
